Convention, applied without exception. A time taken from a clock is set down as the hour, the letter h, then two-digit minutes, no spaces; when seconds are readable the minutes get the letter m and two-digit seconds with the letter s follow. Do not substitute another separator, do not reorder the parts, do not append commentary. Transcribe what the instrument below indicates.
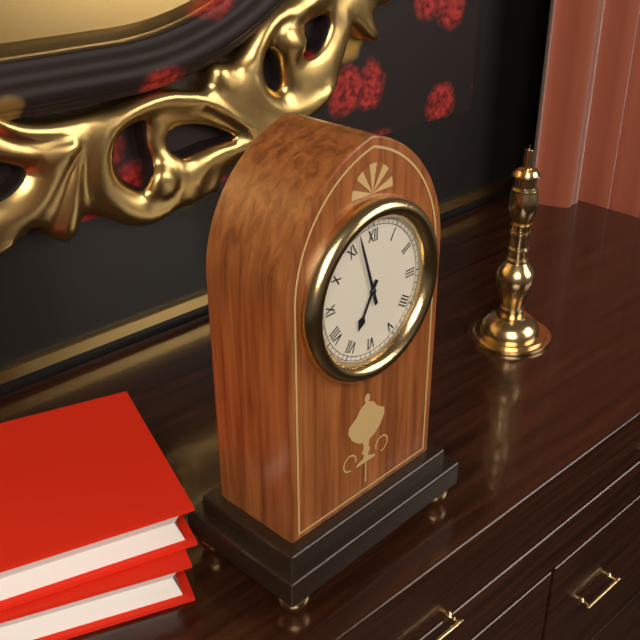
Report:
6h57
